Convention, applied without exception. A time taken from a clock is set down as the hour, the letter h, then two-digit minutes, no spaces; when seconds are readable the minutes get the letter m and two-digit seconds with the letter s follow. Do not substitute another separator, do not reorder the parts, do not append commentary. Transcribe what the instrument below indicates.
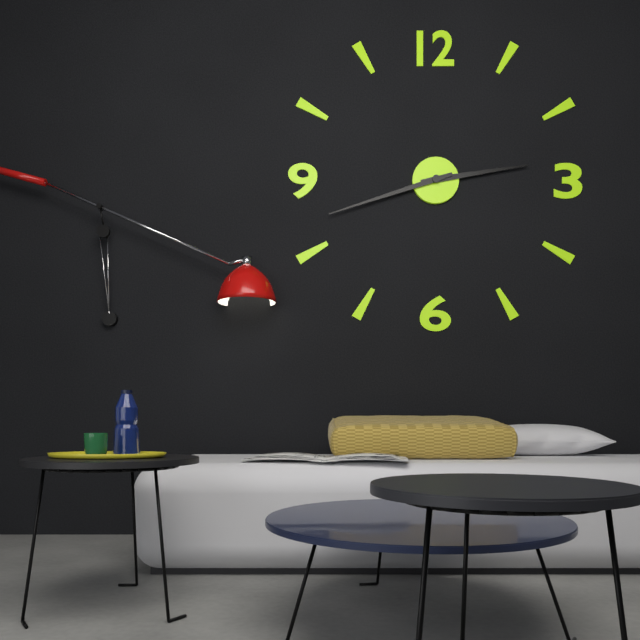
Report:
2h42
